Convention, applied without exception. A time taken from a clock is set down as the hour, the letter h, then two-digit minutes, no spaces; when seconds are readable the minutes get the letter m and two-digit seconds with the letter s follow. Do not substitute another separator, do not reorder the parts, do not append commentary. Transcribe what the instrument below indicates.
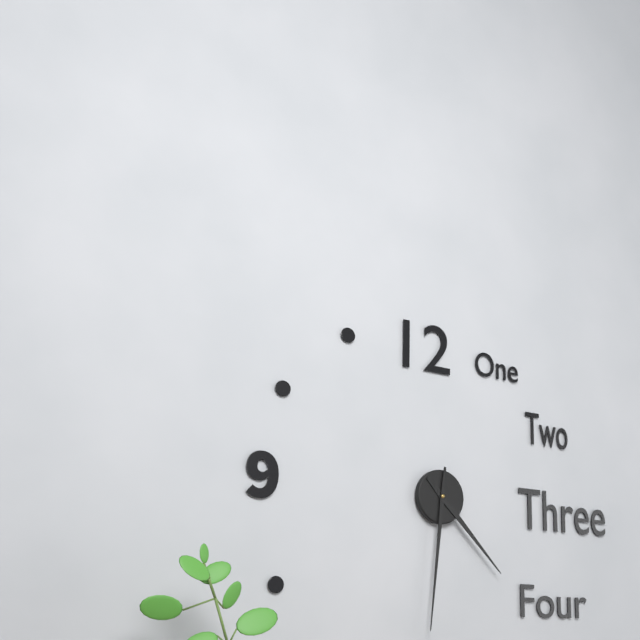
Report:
4h31
